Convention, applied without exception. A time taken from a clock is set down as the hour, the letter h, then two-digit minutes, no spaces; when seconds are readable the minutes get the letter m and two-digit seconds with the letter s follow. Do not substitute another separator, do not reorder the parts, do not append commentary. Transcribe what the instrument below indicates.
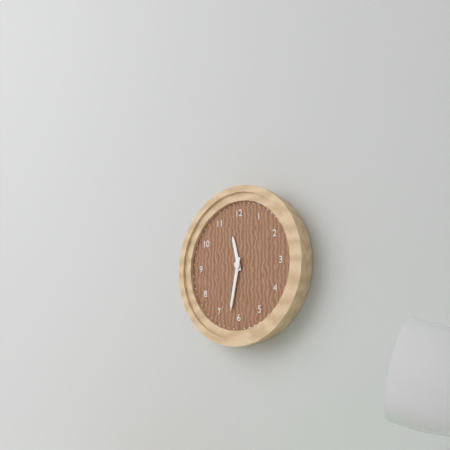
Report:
11h32
